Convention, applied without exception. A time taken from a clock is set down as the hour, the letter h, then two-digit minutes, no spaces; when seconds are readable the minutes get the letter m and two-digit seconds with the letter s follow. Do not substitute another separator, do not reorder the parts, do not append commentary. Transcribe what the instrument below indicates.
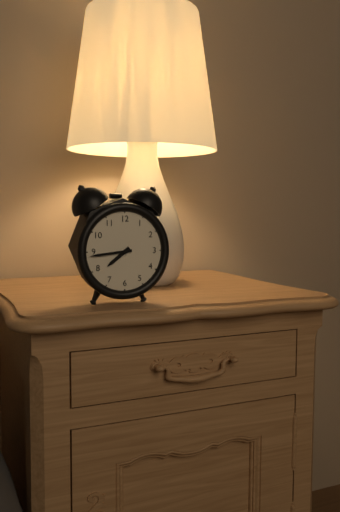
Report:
7h44
